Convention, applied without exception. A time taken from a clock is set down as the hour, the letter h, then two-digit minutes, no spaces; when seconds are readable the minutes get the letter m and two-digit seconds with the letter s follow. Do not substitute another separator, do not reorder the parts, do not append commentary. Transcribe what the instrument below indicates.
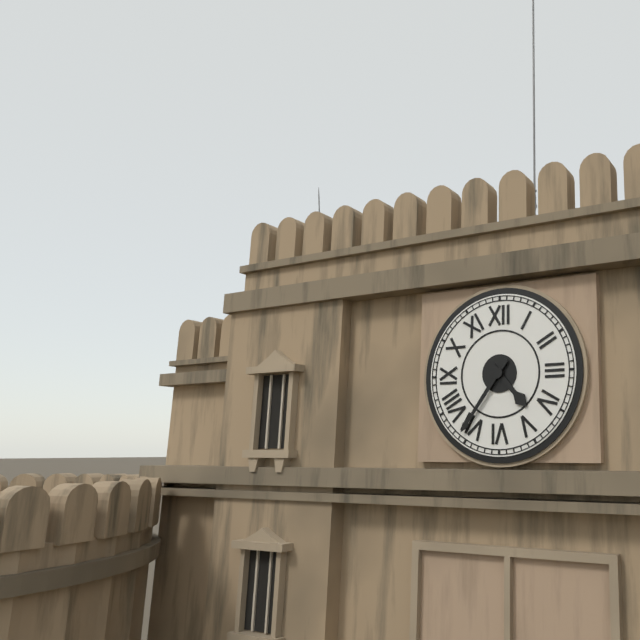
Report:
4h36
